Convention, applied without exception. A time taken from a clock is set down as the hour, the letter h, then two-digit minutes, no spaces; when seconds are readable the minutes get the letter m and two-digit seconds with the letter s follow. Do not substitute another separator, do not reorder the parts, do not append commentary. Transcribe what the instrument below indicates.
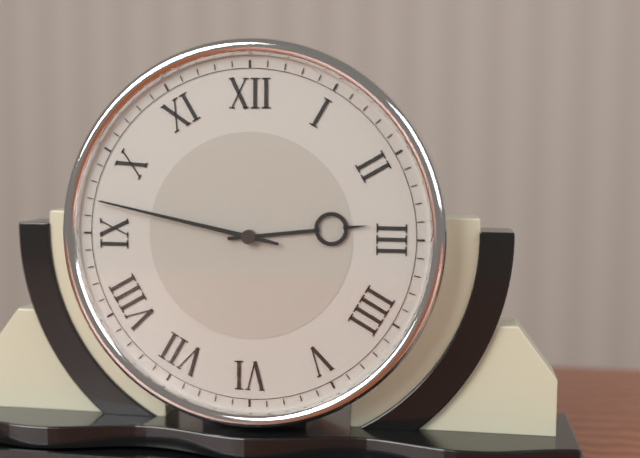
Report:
2h47
